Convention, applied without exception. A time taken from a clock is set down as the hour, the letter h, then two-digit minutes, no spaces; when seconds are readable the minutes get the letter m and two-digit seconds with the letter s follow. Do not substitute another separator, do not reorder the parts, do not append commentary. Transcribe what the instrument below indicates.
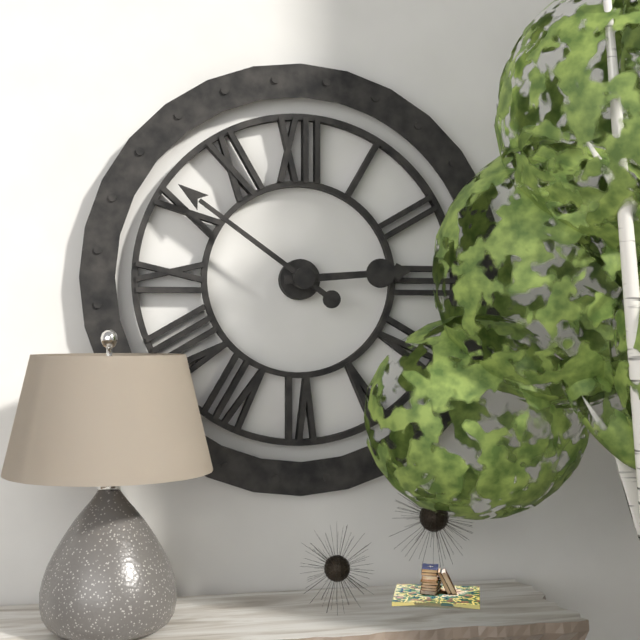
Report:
2h51
